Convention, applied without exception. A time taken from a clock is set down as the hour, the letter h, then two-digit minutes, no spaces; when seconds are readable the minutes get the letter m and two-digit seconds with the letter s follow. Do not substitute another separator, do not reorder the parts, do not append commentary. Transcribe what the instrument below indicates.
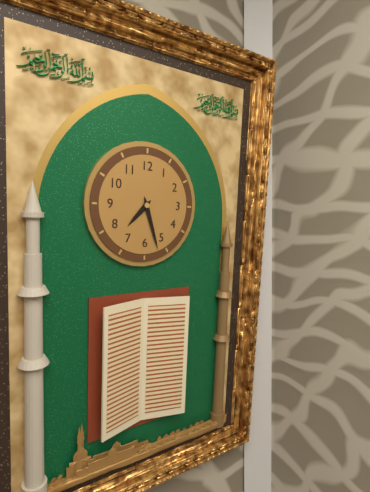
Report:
7h27
